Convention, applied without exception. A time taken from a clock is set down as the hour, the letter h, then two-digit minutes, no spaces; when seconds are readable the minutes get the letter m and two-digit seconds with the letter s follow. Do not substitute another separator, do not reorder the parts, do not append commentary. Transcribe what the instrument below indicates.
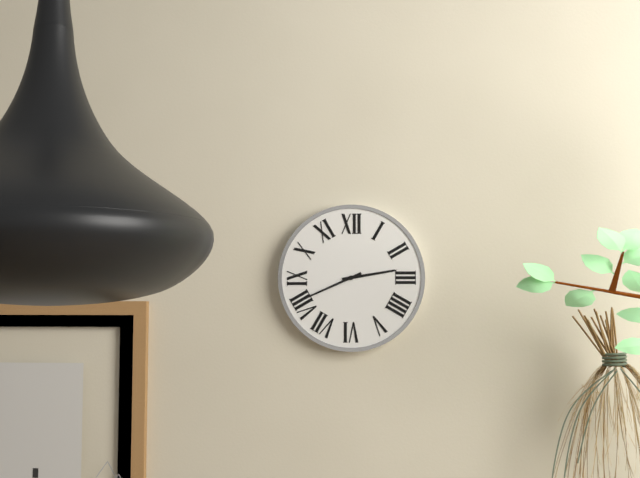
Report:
2h41
